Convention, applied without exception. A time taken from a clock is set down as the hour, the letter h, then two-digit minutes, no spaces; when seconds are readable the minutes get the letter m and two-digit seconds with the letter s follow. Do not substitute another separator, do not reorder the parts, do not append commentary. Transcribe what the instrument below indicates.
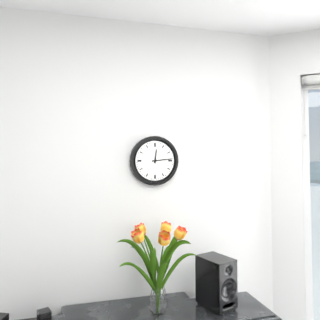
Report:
12h14
